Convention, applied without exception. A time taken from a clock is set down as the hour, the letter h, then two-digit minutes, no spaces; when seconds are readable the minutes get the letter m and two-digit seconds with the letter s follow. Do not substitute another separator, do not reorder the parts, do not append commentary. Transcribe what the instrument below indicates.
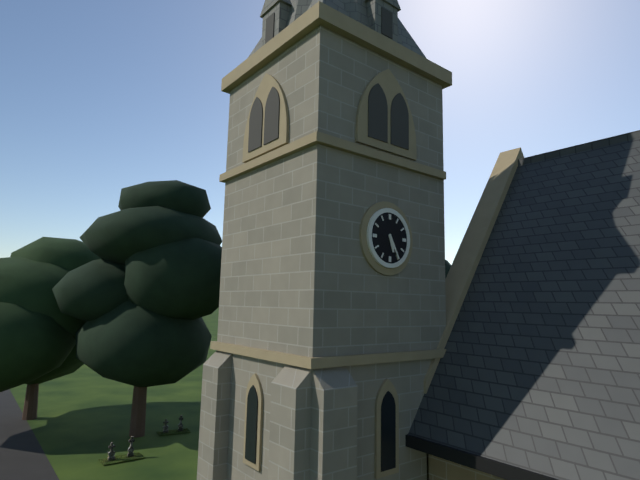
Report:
5h25
